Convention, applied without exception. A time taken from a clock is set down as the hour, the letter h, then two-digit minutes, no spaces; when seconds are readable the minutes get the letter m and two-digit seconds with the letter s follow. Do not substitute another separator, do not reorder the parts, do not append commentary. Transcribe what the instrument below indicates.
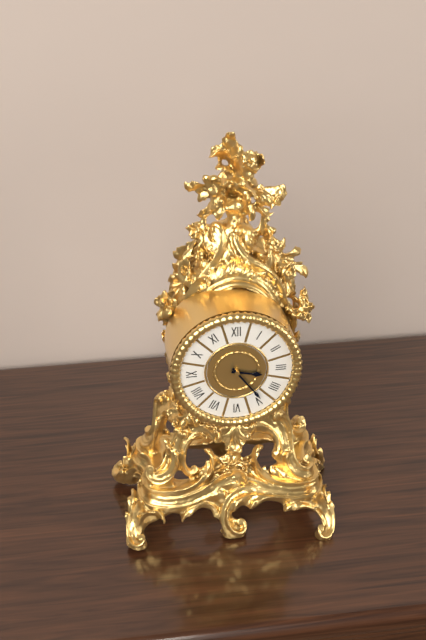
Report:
3h24
